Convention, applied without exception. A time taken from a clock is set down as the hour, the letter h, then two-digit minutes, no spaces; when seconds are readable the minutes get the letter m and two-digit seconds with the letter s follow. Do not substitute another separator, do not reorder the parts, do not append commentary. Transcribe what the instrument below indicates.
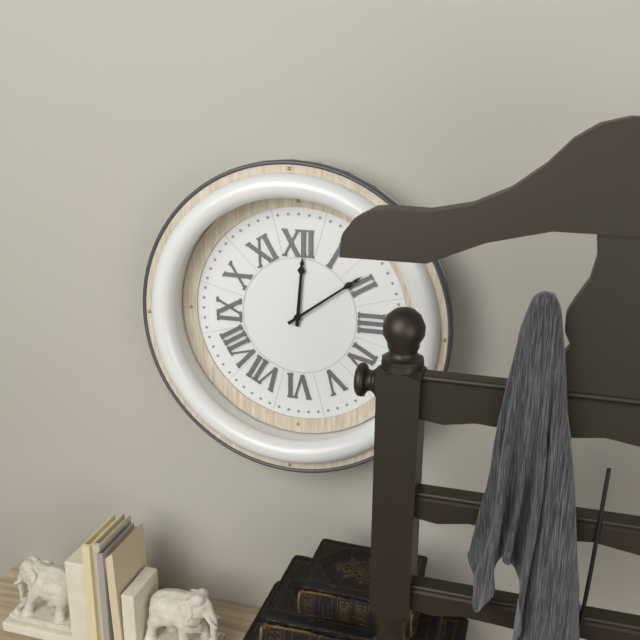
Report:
12h09
